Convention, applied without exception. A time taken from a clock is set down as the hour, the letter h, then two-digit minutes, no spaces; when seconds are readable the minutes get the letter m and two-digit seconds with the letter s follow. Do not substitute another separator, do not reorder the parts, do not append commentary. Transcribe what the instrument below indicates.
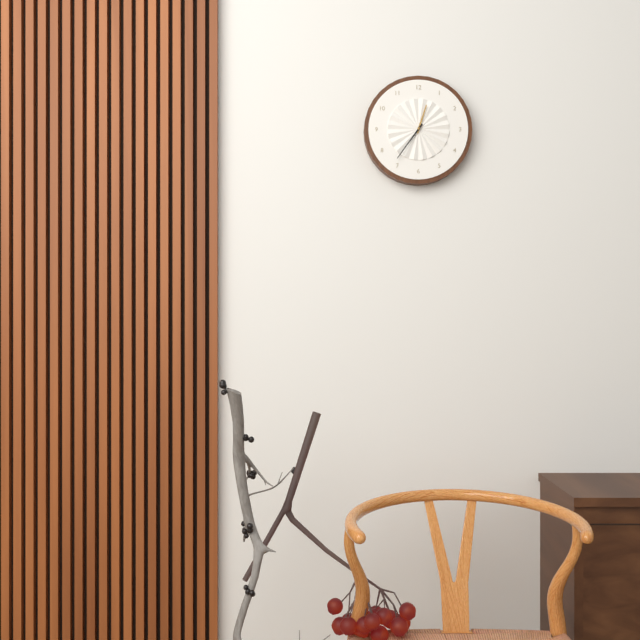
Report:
12h36
